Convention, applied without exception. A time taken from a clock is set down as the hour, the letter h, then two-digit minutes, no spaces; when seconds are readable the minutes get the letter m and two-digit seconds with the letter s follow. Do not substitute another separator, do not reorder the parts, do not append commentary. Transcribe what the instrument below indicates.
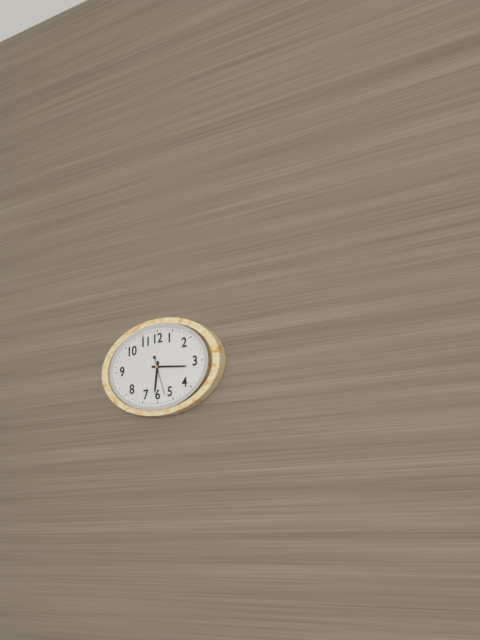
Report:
6h16
